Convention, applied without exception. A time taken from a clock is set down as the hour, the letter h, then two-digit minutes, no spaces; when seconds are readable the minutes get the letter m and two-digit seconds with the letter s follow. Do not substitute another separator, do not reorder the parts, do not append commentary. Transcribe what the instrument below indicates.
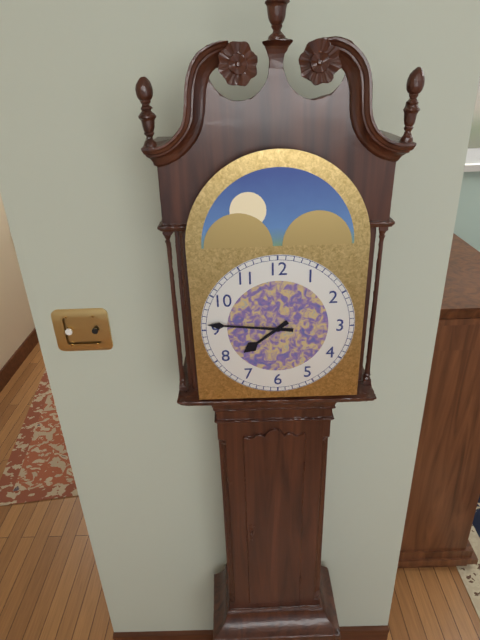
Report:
7h46
